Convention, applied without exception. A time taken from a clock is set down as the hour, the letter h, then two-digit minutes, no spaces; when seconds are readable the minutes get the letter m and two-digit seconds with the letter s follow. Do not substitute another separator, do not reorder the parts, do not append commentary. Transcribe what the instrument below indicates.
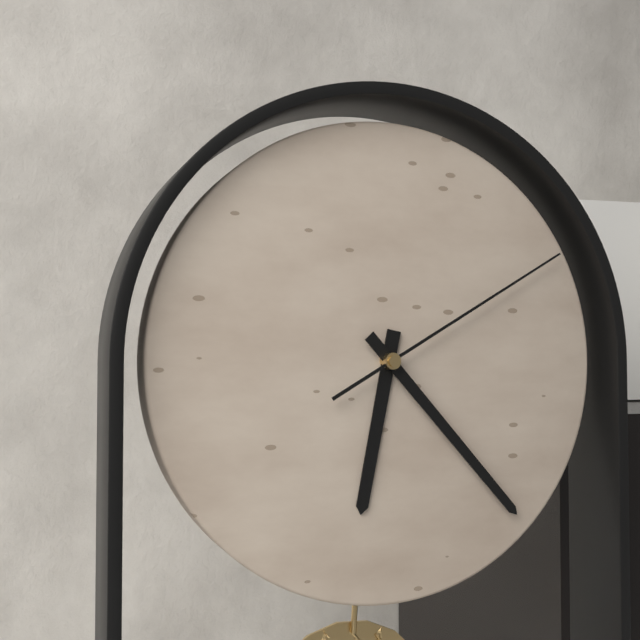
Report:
6h23m10s
